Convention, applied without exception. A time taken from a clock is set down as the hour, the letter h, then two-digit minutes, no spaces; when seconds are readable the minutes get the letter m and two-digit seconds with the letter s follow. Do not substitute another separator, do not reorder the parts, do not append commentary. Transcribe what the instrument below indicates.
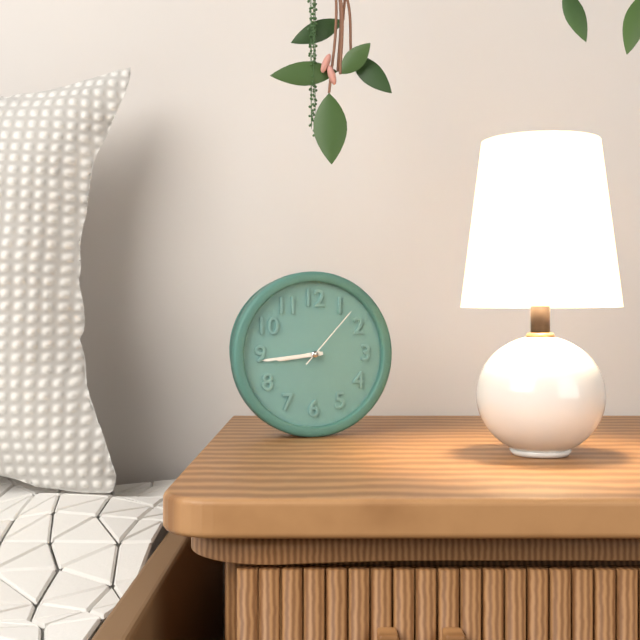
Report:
8h44m07s
